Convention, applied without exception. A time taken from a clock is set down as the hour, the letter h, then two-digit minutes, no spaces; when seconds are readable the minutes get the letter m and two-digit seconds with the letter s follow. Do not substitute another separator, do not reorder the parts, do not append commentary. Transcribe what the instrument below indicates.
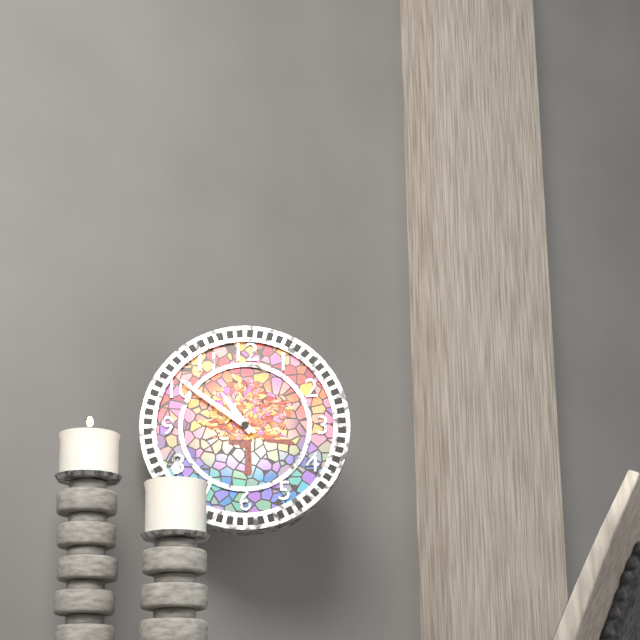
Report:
10h51
